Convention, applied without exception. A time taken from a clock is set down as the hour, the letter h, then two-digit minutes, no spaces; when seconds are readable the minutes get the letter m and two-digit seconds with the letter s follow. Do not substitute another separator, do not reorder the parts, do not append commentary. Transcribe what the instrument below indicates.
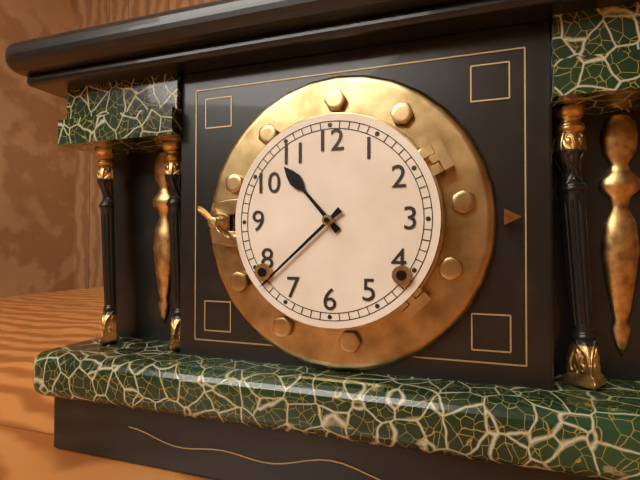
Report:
10h38
